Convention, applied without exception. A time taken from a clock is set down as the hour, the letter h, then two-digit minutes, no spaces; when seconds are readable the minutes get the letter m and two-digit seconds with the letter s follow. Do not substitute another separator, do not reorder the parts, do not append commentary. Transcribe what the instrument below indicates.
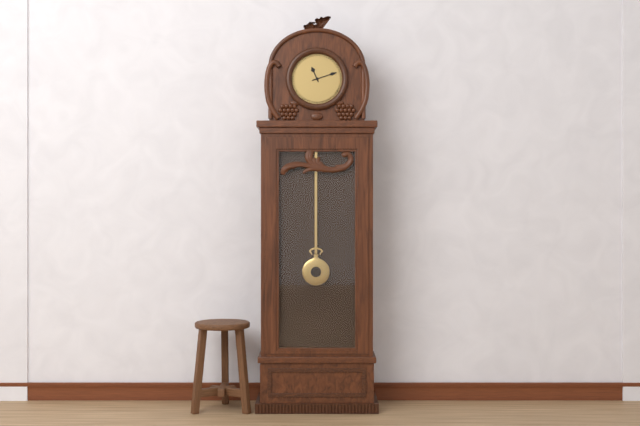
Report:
11h12
